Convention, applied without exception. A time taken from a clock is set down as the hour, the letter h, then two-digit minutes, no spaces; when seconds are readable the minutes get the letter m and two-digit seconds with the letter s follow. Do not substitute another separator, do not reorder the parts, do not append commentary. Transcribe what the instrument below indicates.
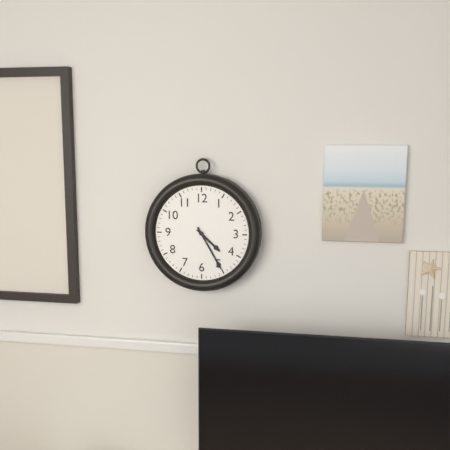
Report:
4h25
